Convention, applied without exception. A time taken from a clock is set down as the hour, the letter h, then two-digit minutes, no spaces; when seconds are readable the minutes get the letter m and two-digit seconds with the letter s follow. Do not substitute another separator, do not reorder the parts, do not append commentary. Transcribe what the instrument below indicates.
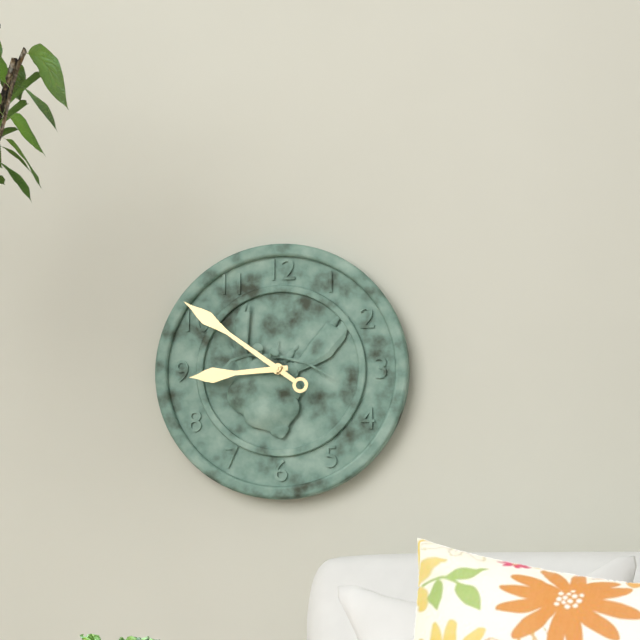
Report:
8h51
